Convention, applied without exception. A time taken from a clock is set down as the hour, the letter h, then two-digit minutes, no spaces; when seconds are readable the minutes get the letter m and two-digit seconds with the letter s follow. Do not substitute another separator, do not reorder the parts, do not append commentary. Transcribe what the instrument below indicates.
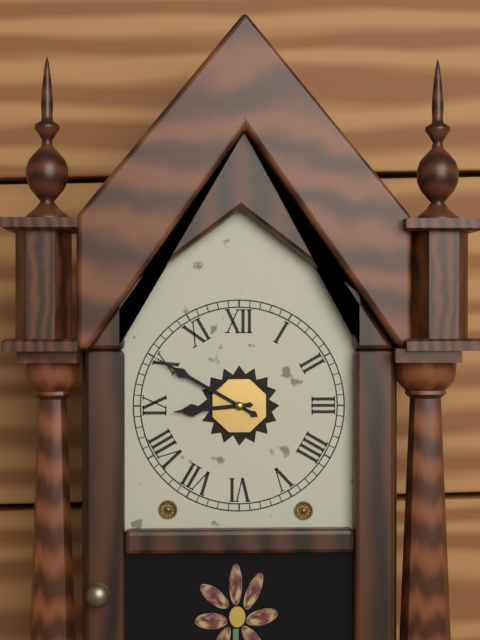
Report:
8h50
